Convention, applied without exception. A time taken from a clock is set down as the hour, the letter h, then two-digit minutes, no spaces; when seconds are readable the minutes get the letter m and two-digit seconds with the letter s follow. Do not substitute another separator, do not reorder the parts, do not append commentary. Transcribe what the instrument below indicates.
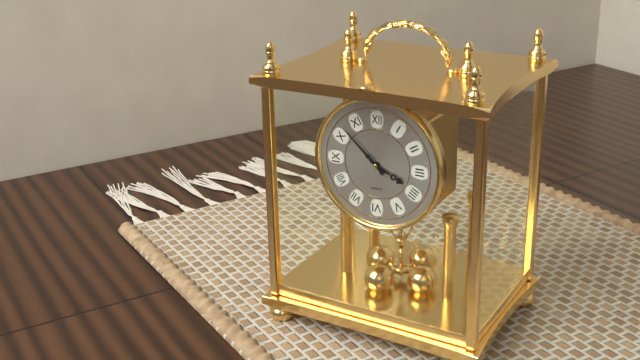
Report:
3h52
